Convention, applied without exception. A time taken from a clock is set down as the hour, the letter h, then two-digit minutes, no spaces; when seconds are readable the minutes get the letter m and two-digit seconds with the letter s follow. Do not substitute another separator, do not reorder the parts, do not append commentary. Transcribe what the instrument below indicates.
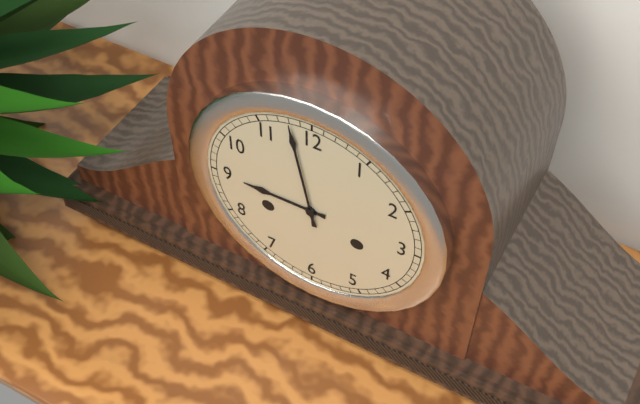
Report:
8h58
